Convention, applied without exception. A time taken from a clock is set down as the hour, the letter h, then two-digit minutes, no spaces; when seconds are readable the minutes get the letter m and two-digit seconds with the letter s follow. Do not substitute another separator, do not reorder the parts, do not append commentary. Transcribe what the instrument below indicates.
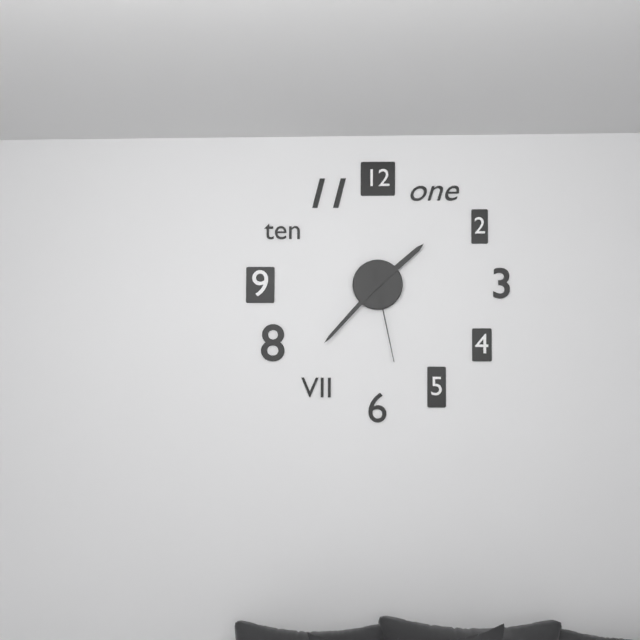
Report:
1h37m28s
